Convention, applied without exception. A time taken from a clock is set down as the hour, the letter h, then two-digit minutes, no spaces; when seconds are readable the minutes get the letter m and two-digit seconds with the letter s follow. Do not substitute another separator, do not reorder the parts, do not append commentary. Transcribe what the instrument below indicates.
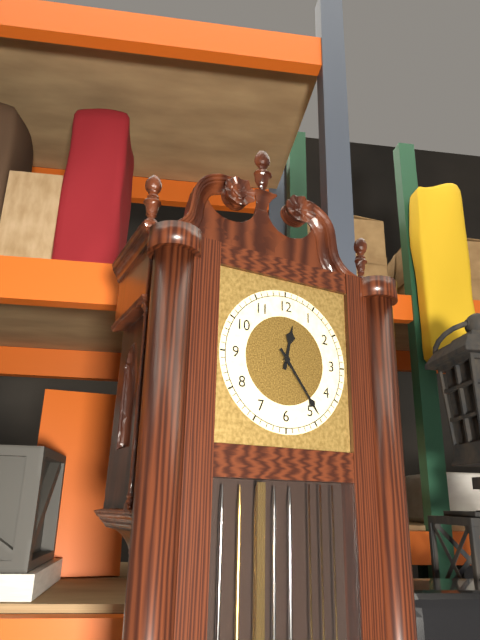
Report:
12h24
